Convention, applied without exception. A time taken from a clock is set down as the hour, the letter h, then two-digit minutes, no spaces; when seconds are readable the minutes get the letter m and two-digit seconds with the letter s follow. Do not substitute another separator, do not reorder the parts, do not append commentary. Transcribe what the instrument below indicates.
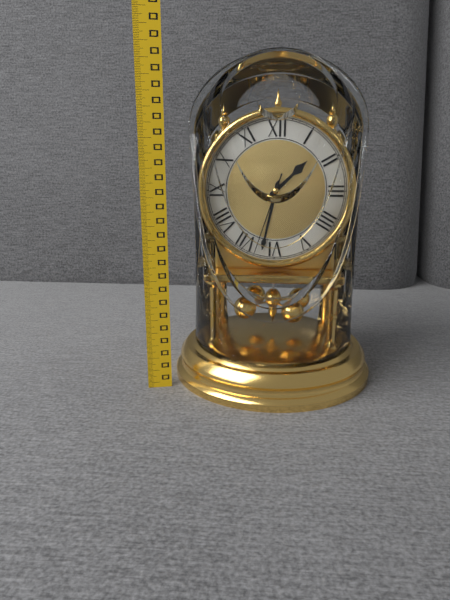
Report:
1h32m33s
